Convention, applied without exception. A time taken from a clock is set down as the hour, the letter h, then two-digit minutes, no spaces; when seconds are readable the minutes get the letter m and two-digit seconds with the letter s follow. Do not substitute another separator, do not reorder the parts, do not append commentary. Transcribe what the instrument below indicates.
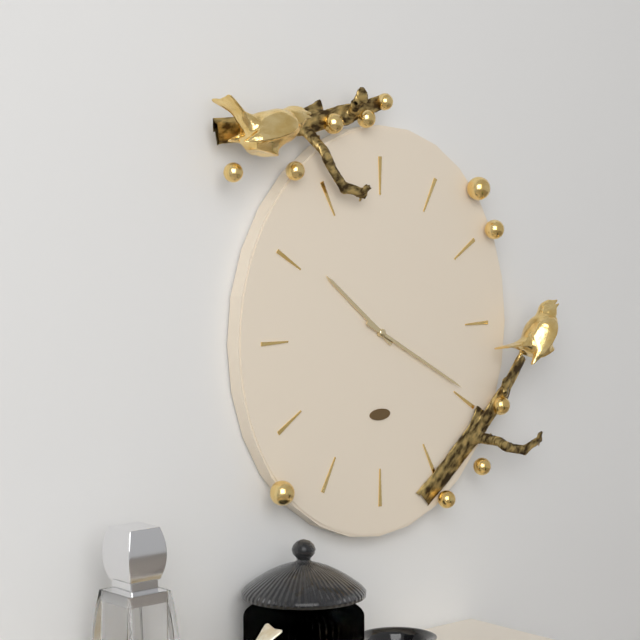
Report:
10h20
